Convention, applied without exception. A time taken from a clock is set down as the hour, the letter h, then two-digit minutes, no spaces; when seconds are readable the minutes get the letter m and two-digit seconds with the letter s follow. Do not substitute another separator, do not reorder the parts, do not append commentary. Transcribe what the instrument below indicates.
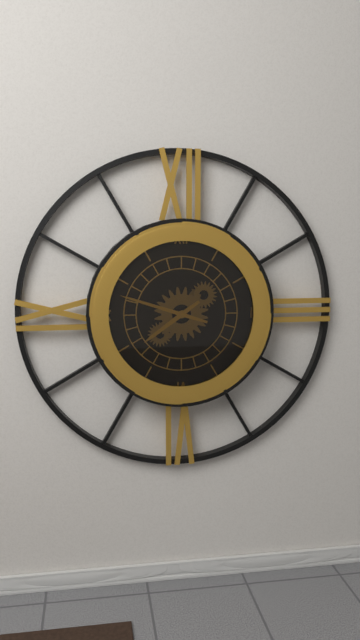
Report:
7h48
